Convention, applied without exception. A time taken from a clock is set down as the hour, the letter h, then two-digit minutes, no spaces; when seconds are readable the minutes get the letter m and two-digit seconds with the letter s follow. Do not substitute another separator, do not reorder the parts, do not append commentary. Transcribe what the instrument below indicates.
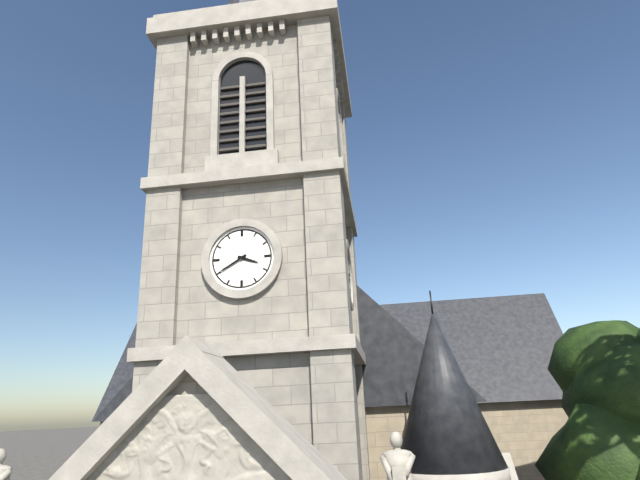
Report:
3h40
